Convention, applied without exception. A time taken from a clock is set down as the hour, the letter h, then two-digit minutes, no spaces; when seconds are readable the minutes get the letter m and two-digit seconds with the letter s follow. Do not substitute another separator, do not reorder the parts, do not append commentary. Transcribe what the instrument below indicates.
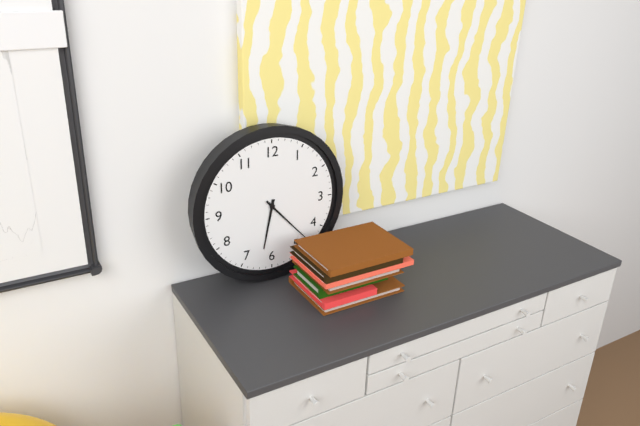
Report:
6h23
